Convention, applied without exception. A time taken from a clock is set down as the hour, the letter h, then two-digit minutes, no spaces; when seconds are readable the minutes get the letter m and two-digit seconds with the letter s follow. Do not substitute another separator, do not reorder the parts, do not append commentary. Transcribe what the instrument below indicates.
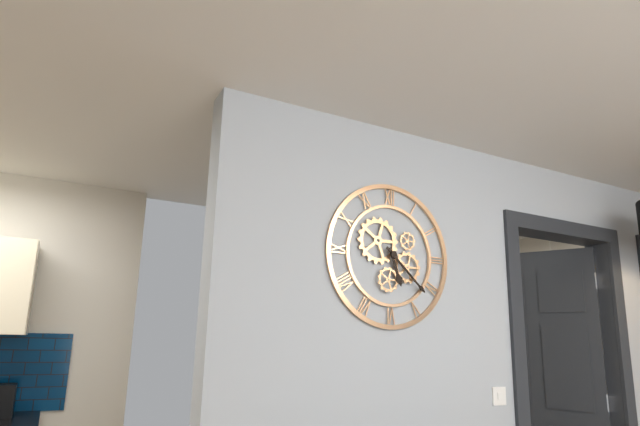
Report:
5h22
